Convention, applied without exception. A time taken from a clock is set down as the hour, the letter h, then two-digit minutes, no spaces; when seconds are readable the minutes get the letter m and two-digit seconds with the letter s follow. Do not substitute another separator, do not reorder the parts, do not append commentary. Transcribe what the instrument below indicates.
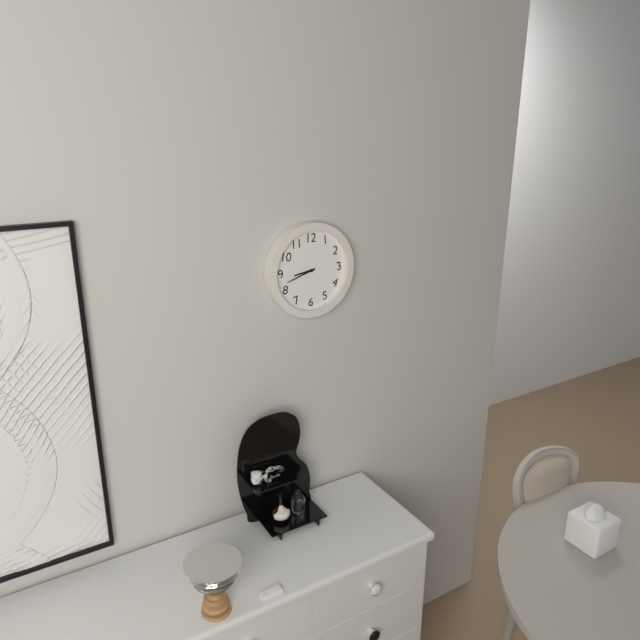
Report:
8h42
